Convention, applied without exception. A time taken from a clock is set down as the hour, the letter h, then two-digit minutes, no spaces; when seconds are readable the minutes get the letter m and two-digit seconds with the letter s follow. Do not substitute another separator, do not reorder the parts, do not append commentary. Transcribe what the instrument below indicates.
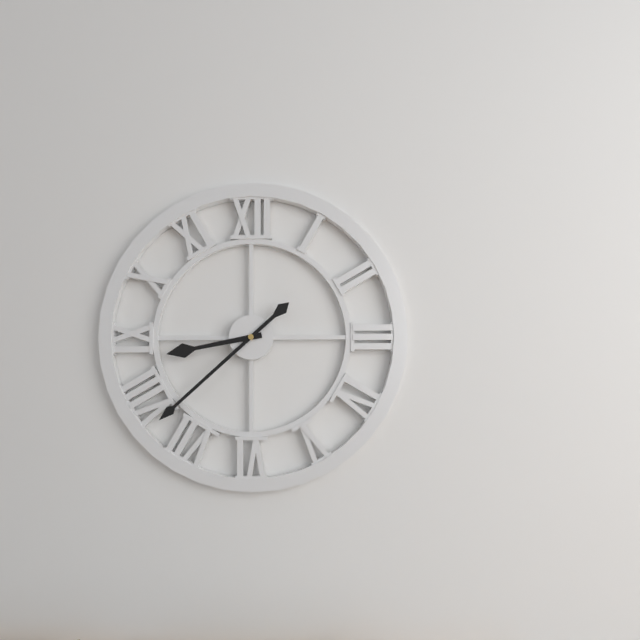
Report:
8h38
